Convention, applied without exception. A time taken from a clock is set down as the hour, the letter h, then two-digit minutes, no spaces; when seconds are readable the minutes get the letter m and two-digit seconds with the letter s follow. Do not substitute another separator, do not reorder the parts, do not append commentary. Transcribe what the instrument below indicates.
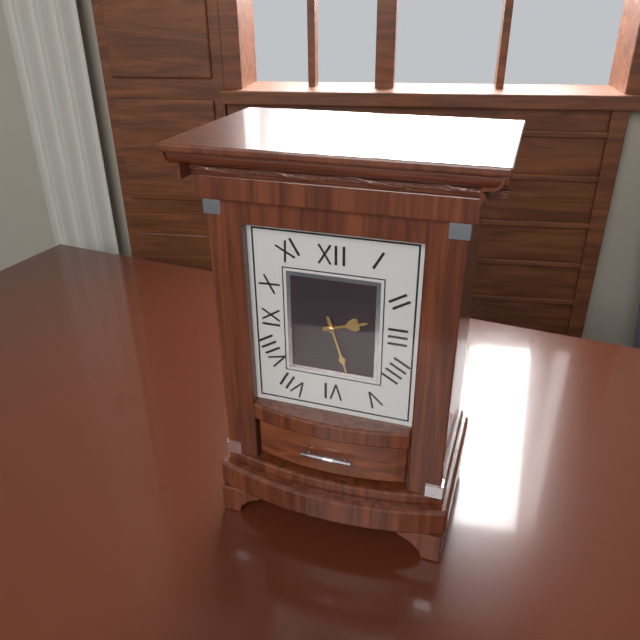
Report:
2h27
